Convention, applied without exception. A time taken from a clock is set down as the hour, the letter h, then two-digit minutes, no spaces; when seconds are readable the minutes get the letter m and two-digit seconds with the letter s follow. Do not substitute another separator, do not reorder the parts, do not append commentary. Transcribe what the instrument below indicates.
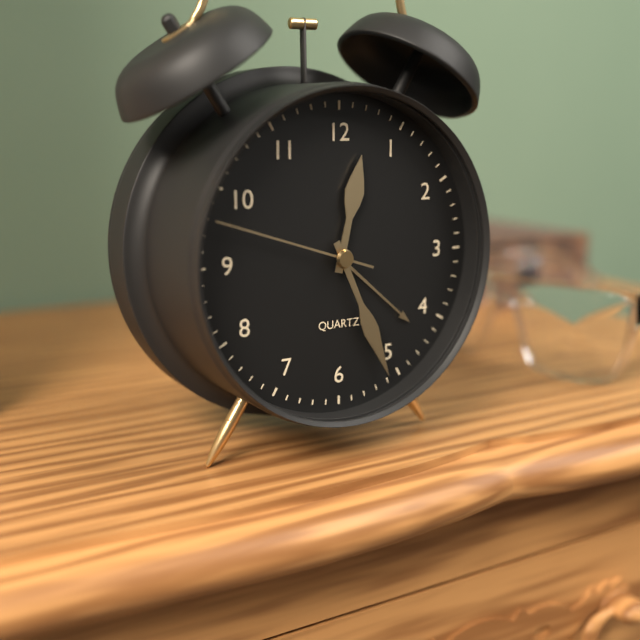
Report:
12h26m48s
